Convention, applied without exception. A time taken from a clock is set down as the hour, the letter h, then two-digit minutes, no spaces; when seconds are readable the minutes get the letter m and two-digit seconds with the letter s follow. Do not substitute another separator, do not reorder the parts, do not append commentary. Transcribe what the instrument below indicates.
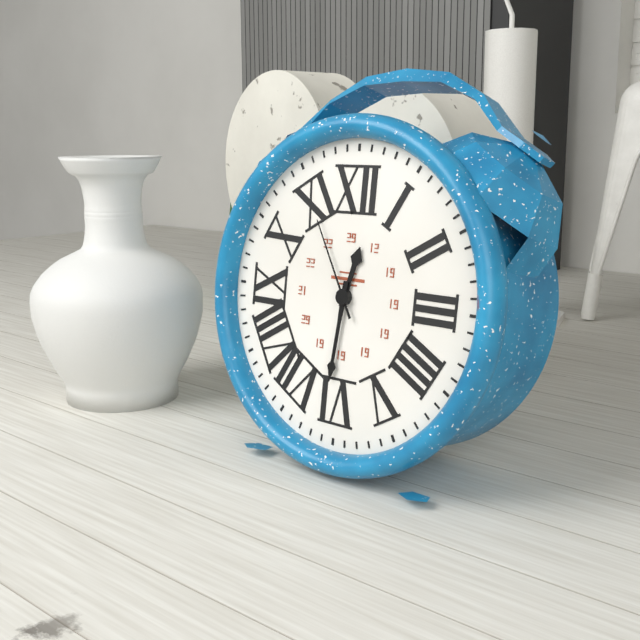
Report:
12h31m55s
